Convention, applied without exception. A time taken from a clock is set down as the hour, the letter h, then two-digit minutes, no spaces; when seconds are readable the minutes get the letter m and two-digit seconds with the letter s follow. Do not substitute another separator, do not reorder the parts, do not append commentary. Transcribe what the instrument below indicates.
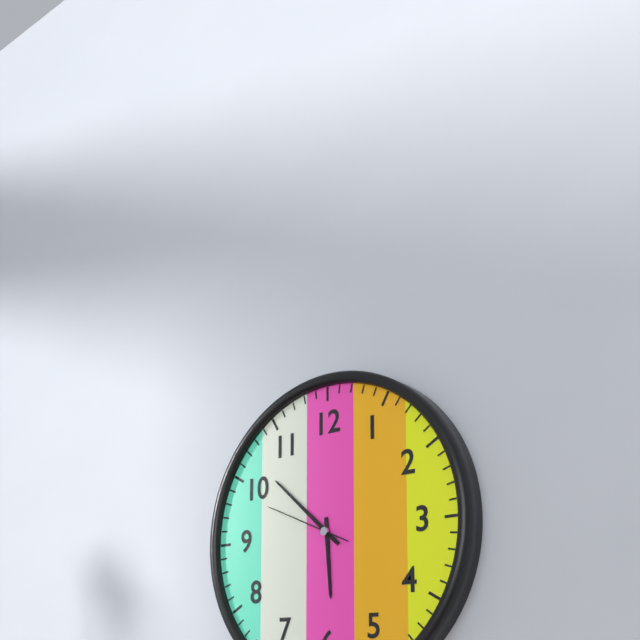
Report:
5h52m49s
